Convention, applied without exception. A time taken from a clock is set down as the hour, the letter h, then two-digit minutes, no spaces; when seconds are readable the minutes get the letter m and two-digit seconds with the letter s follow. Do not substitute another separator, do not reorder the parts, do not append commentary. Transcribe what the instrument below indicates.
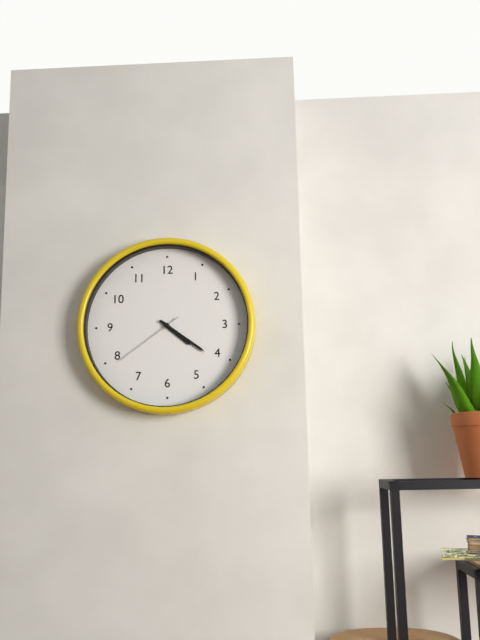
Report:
4h21m39s
